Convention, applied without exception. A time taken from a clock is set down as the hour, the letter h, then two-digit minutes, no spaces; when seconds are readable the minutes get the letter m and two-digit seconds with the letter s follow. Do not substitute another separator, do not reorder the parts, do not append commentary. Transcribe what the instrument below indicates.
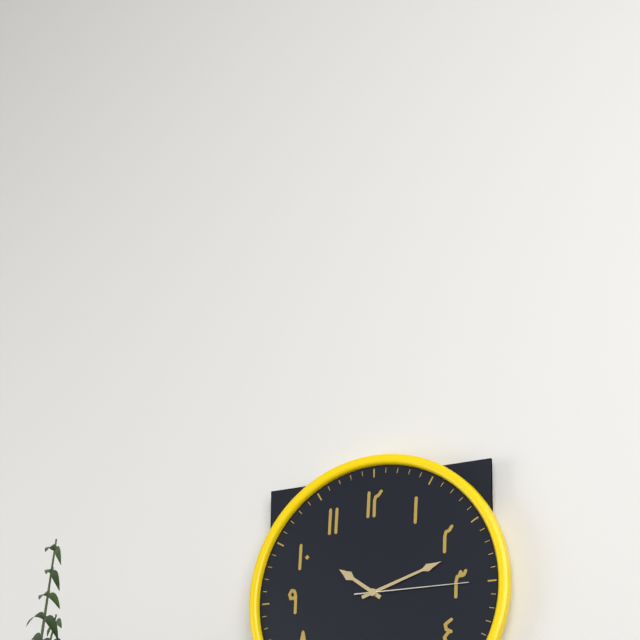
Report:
10h12m15s
